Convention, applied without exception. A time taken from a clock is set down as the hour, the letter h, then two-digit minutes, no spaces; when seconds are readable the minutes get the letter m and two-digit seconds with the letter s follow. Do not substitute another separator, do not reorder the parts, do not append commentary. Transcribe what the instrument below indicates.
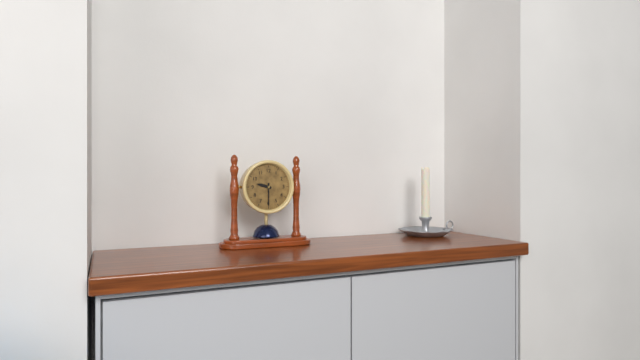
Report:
9h30
